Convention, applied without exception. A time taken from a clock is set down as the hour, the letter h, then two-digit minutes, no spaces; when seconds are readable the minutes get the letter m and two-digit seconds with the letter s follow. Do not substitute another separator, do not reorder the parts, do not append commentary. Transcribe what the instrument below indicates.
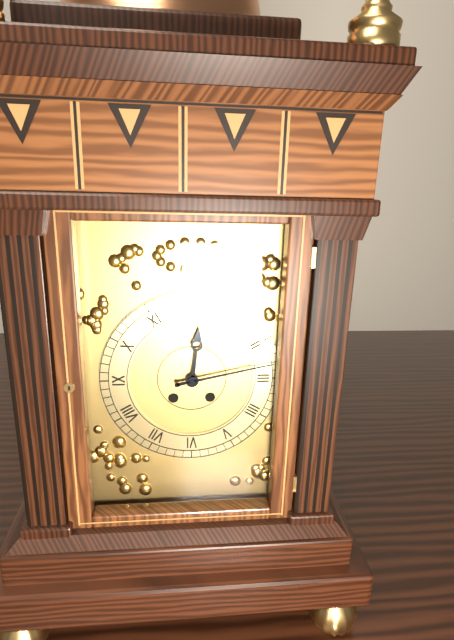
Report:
12h13
